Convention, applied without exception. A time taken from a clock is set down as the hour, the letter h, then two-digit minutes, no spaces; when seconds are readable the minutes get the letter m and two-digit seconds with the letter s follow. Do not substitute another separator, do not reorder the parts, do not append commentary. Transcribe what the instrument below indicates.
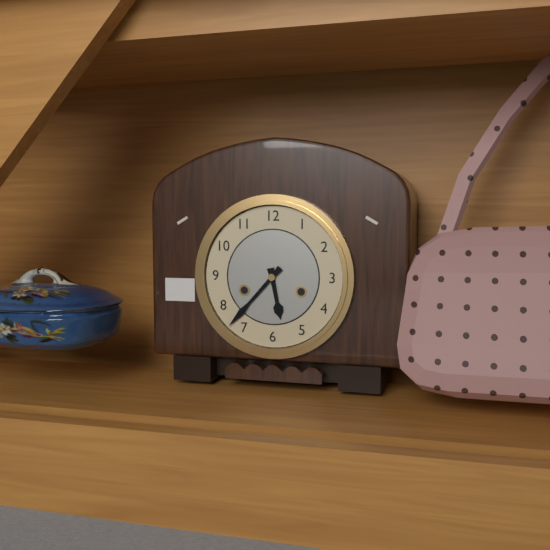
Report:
5h37
